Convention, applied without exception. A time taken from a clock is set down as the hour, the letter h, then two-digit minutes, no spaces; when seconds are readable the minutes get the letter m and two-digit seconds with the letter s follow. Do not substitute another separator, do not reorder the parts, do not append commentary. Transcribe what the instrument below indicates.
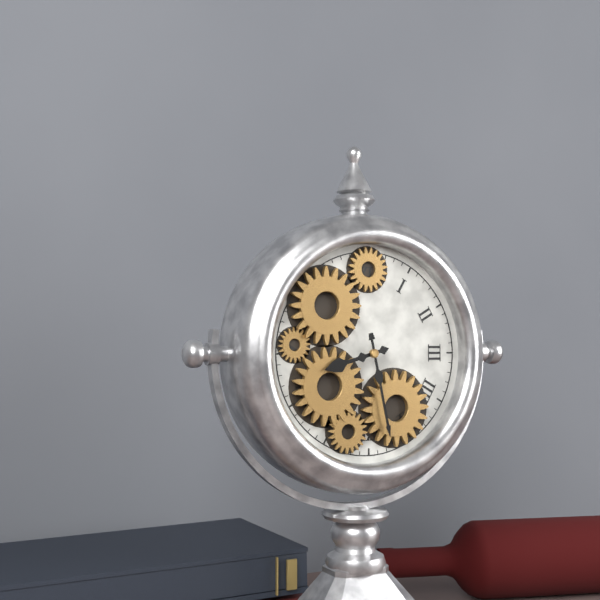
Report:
8h28
